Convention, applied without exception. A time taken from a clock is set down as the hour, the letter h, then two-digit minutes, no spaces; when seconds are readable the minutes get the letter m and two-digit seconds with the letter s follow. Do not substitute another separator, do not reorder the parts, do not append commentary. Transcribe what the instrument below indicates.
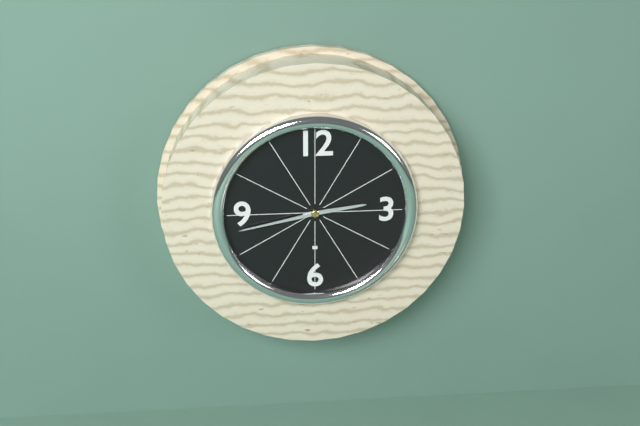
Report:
2h43
